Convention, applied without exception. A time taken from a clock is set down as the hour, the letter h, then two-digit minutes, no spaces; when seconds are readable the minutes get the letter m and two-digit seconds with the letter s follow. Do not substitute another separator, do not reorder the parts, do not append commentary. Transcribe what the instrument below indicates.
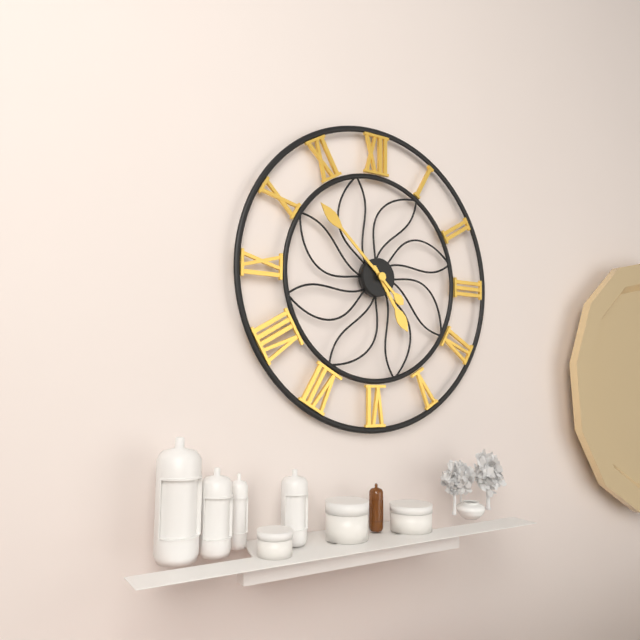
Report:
4h52
